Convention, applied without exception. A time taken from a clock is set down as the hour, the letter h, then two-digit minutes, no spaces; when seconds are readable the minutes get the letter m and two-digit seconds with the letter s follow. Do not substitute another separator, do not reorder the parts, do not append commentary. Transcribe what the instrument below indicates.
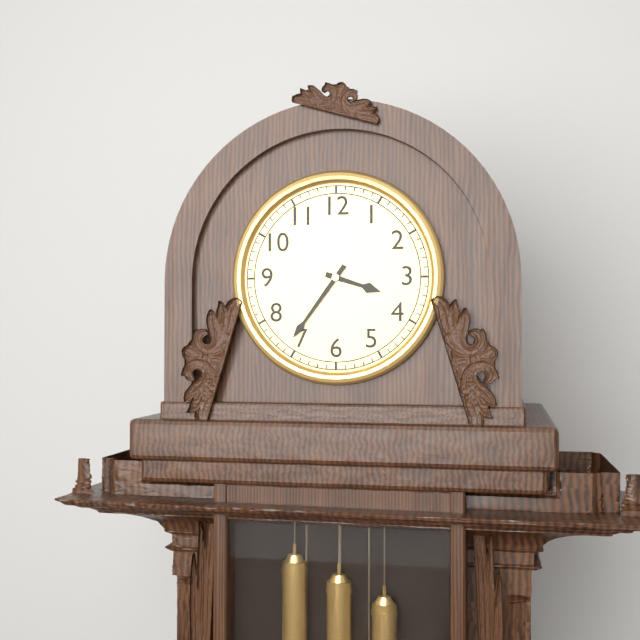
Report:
3h36
